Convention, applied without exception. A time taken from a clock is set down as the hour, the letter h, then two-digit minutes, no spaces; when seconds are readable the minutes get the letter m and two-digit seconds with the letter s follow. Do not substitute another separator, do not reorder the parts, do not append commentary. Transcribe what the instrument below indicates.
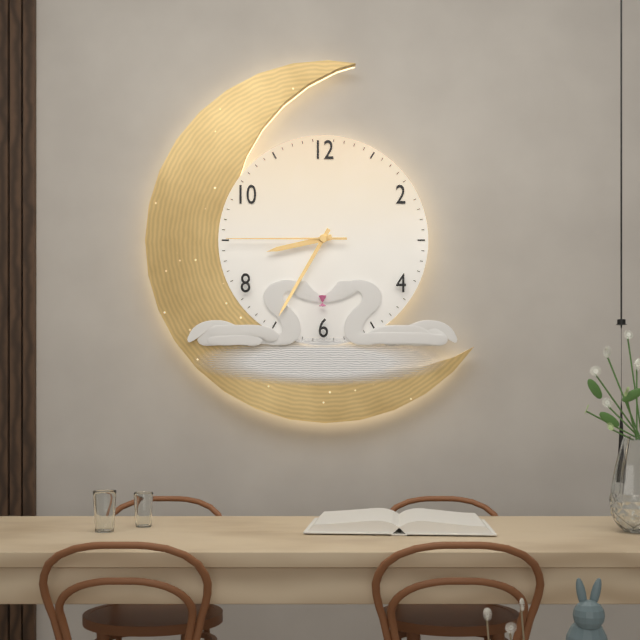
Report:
8h35m45s
